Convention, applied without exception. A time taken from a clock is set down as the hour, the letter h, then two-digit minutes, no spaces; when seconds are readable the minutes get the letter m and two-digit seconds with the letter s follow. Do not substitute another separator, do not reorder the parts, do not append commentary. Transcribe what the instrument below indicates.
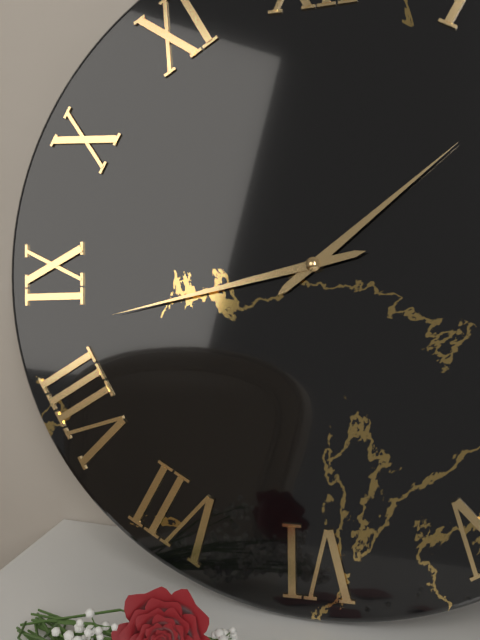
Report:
1h43
